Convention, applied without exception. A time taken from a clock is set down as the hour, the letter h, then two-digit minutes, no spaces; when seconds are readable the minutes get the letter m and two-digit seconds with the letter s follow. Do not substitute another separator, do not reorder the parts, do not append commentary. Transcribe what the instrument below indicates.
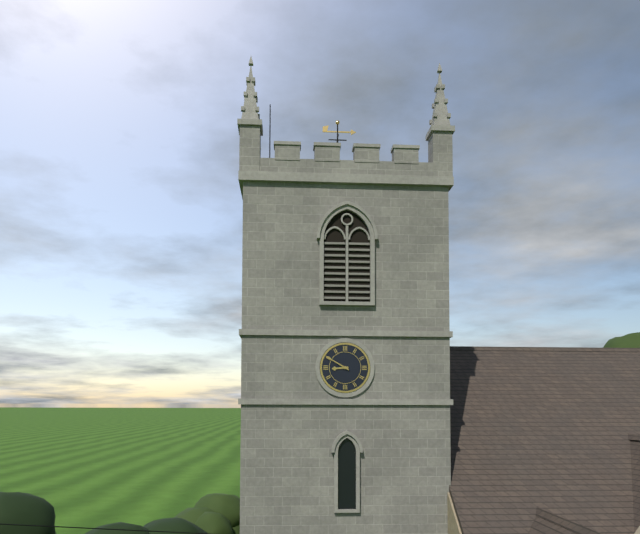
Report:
8h50
